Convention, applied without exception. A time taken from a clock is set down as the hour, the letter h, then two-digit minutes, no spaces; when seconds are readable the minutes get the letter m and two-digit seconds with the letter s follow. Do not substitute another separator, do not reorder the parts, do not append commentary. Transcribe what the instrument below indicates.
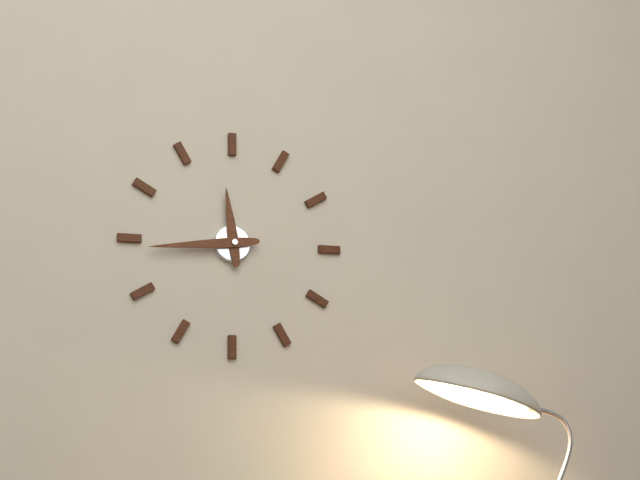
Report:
11h44
